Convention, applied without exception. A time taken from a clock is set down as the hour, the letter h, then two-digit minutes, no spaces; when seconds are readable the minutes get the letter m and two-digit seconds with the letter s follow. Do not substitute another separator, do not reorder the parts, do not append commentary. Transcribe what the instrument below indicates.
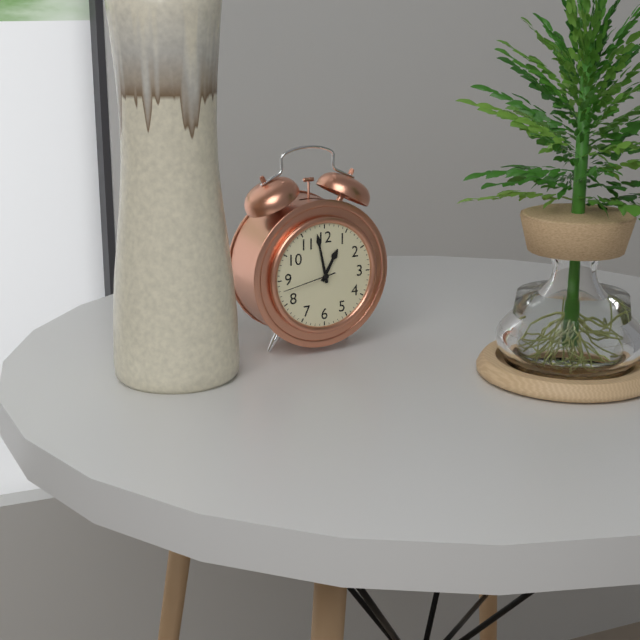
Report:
12h58m43s
